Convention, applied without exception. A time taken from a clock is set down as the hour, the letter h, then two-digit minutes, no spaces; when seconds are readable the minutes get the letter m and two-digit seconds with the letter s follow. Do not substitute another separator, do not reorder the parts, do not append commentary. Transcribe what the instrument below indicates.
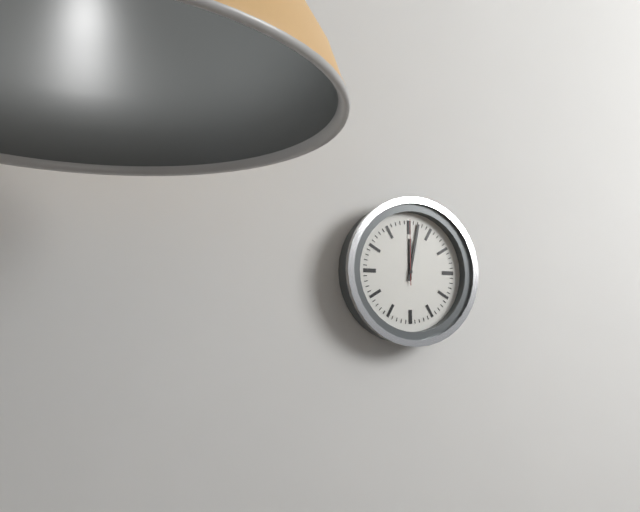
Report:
12h02m00s
